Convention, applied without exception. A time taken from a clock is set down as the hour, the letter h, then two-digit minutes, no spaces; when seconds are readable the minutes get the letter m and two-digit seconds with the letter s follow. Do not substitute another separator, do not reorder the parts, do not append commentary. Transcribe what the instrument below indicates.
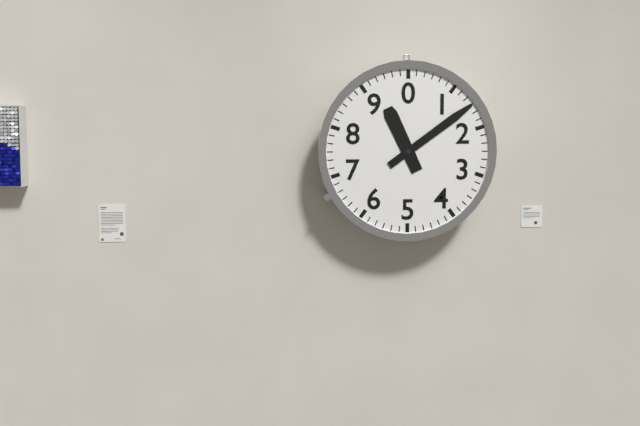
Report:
11h09
